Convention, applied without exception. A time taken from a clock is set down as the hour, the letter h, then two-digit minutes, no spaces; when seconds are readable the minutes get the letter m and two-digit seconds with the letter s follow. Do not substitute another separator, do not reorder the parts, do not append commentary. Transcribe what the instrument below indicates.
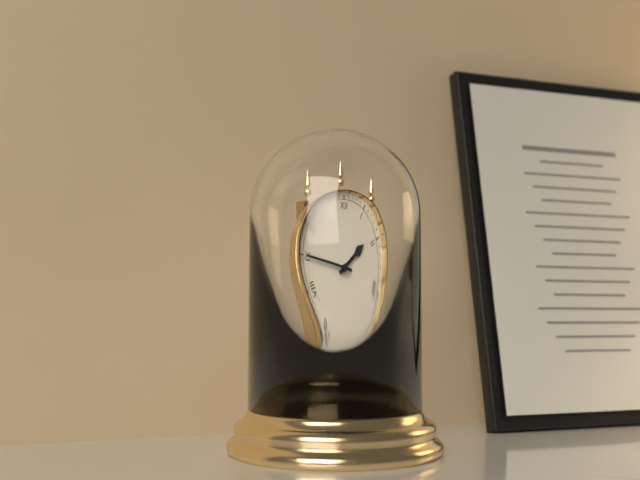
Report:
1h45
